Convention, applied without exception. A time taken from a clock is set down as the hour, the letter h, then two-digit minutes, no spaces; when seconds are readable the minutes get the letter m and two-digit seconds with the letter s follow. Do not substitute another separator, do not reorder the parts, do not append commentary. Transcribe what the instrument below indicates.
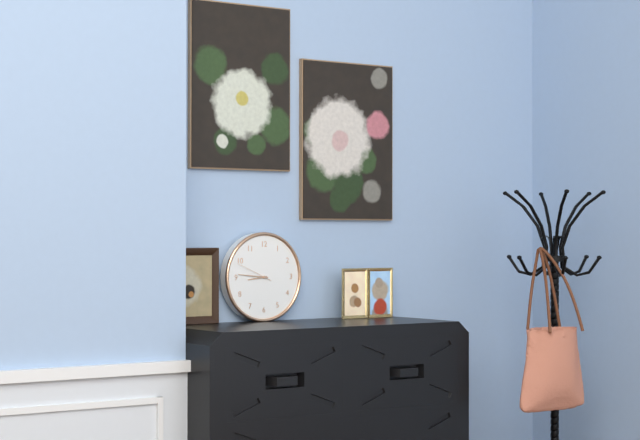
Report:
8h46
